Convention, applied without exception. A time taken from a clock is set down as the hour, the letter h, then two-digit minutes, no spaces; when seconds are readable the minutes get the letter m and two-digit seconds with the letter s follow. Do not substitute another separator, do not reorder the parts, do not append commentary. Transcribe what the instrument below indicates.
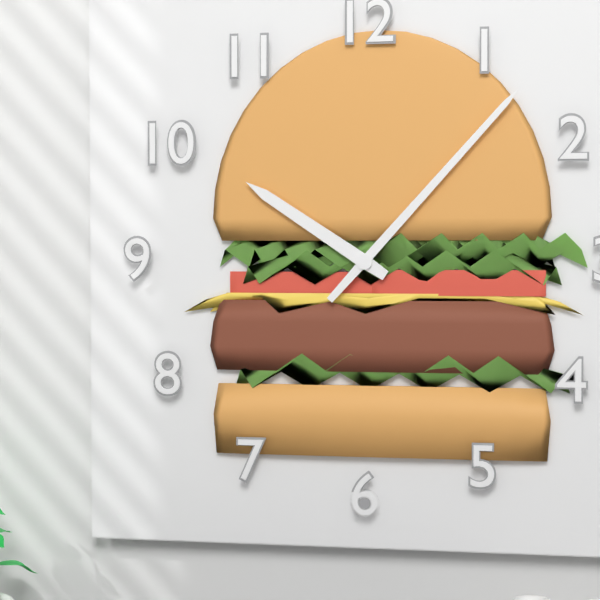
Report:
10h07
